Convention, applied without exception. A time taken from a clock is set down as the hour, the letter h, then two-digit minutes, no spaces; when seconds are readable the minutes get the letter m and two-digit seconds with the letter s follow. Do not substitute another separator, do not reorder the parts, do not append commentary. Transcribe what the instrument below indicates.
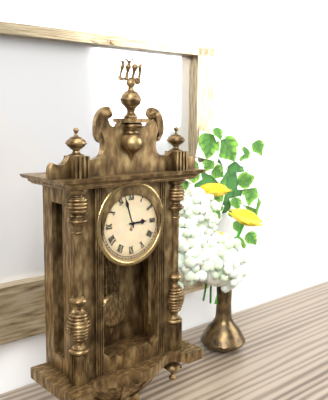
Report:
2h57
